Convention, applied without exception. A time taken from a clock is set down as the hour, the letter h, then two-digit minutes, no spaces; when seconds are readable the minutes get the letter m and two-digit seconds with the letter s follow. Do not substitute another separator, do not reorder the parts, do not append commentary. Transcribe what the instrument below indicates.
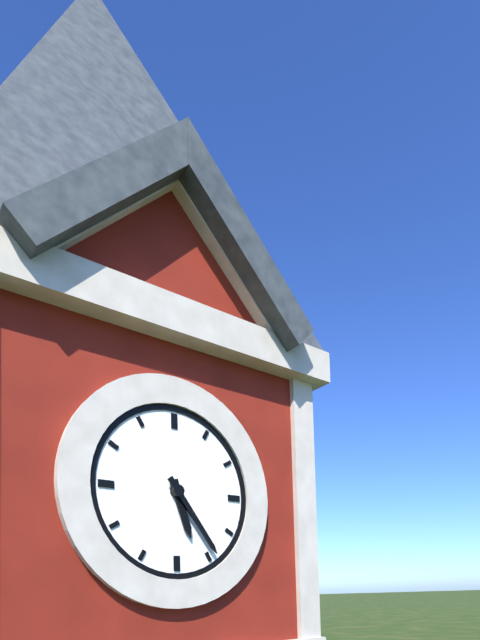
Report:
5h24
